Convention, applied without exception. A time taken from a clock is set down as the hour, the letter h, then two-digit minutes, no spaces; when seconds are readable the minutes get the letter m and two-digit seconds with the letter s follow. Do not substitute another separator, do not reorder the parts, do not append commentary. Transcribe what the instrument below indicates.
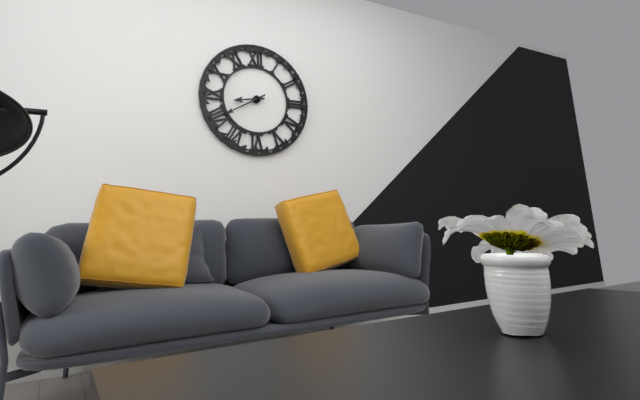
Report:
8h40
